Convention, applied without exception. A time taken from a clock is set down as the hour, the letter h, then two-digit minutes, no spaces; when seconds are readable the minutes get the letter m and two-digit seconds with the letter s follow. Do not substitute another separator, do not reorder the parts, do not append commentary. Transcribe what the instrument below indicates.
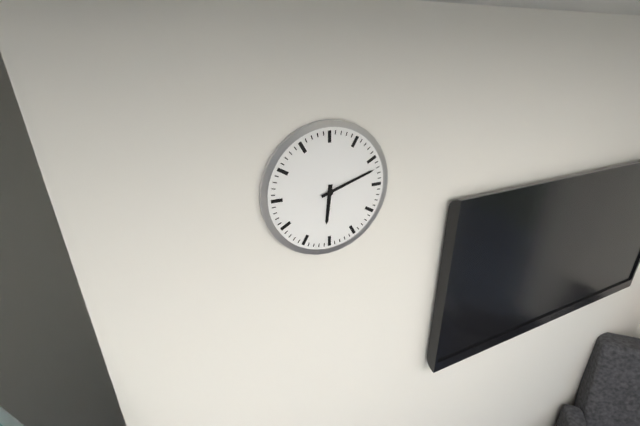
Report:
6h12
